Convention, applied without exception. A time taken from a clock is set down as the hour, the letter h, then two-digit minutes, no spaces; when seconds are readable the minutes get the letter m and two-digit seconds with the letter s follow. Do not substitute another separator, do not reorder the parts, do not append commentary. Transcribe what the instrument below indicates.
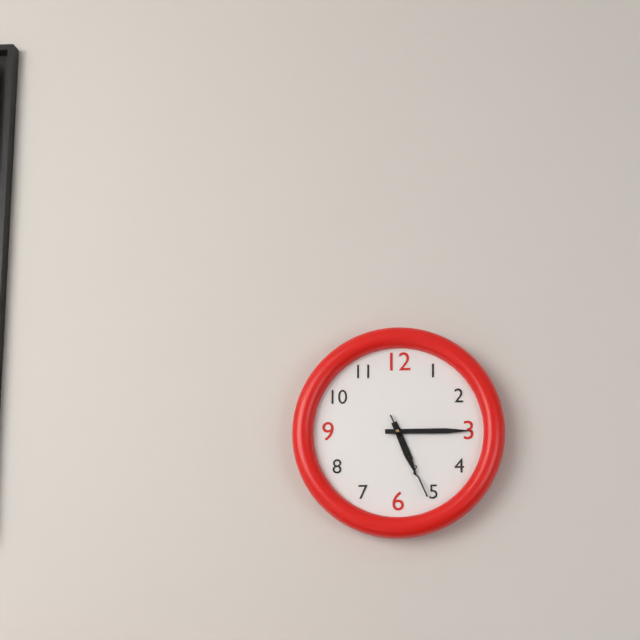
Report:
5h15m26s
